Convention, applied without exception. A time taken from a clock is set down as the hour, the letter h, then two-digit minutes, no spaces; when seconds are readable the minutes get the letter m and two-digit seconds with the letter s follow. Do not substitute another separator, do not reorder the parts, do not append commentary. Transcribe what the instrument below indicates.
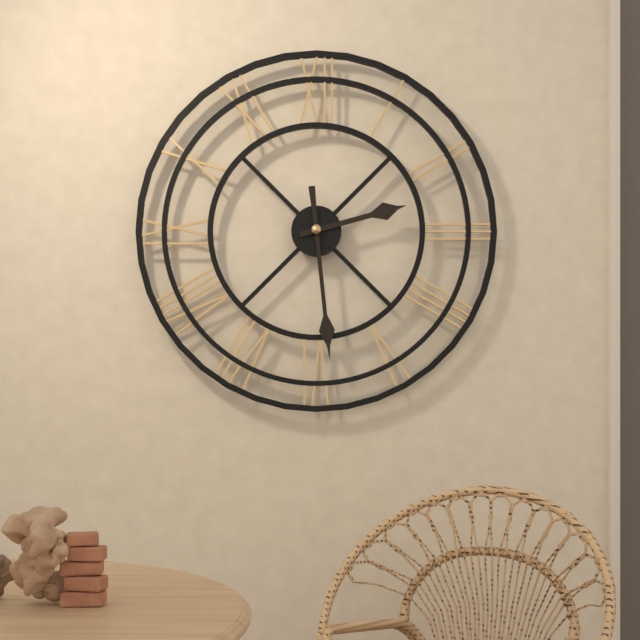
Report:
2h29
